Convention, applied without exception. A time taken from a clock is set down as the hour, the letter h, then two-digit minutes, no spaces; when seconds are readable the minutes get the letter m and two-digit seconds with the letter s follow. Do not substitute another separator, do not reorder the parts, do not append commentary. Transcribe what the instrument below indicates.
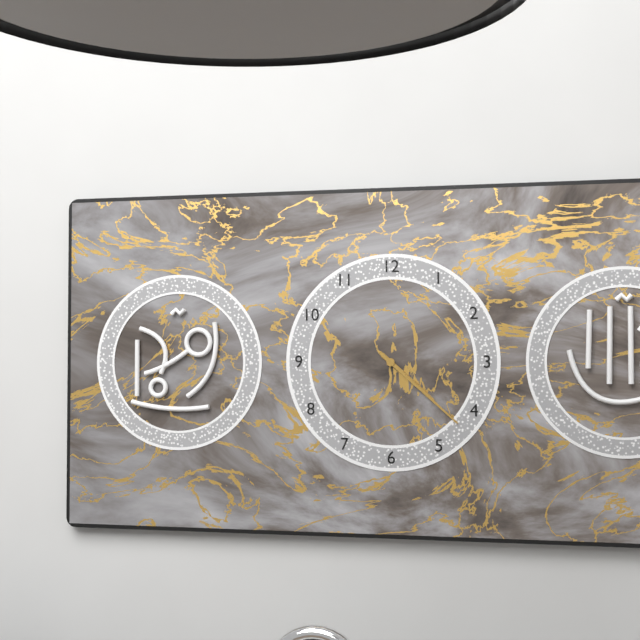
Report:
4h22
